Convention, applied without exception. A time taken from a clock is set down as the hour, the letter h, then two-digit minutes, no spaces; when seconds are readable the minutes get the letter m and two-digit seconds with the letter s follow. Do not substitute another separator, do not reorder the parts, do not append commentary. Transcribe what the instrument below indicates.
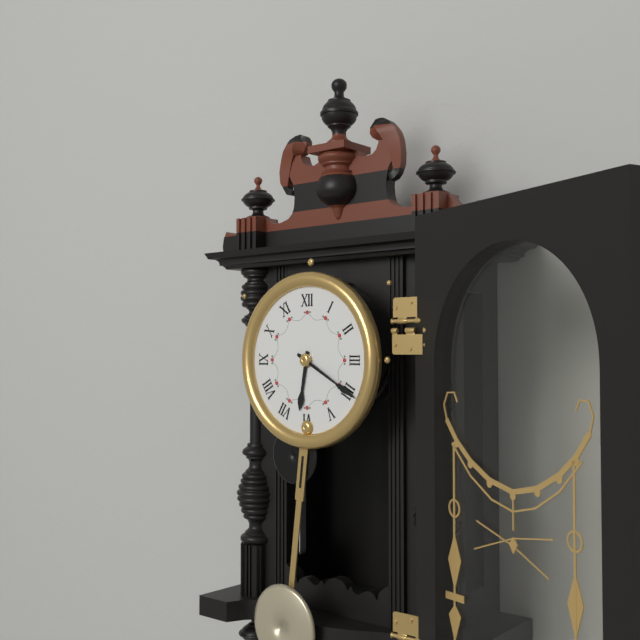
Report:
6h20
